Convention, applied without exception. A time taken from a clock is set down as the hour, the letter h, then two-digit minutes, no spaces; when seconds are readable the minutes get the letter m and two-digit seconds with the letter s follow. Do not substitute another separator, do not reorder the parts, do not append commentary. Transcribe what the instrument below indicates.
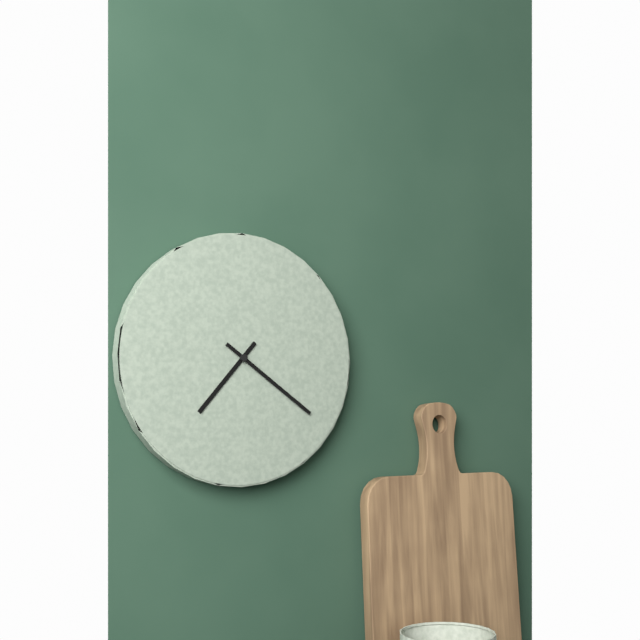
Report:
7h21
